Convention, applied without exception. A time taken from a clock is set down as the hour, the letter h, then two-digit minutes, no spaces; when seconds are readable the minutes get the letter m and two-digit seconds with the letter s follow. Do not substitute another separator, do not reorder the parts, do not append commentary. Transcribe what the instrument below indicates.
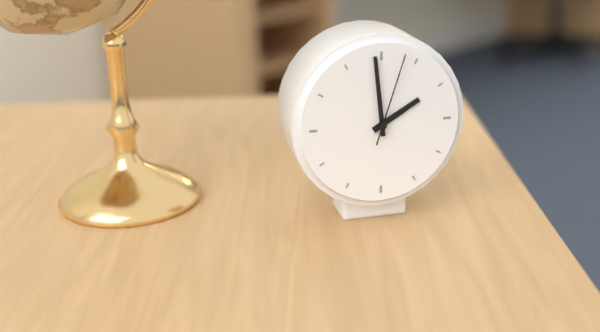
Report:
1h59m03s
